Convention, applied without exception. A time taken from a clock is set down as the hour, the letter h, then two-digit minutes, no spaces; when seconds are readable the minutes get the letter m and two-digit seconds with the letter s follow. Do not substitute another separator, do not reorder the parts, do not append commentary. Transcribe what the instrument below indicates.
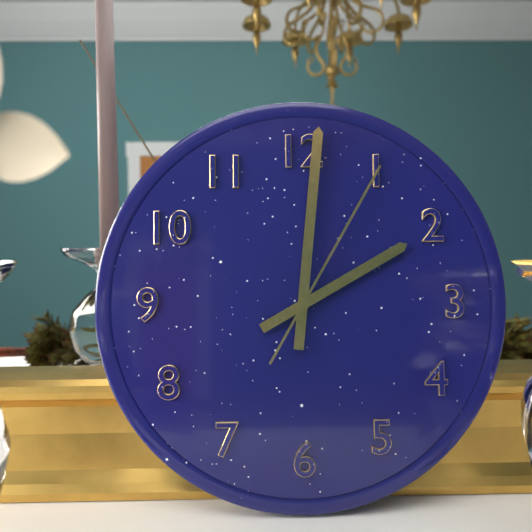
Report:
2h01m05s
